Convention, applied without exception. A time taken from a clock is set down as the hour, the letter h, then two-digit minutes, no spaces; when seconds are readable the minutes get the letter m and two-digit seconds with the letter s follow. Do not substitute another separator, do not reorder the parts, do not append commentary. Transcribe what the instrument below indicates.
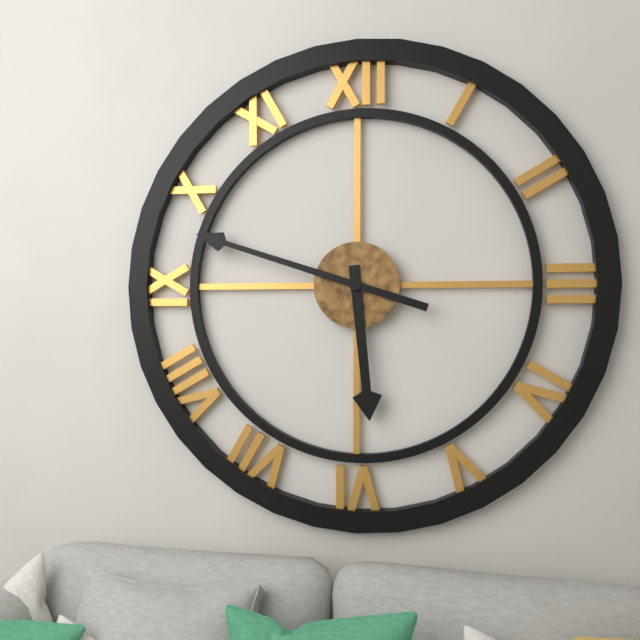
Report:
5h48
